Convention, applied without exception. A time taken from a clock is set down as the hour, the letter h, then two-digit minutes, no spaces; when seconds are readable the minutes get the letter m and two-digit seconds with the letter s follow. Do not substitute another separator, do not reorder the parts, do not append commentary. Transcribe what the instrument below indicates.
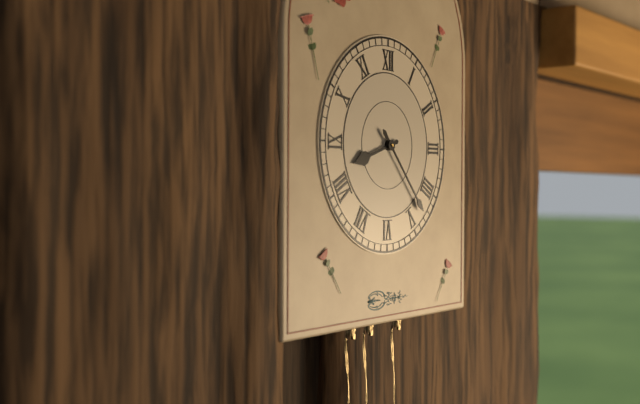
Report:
8h23
